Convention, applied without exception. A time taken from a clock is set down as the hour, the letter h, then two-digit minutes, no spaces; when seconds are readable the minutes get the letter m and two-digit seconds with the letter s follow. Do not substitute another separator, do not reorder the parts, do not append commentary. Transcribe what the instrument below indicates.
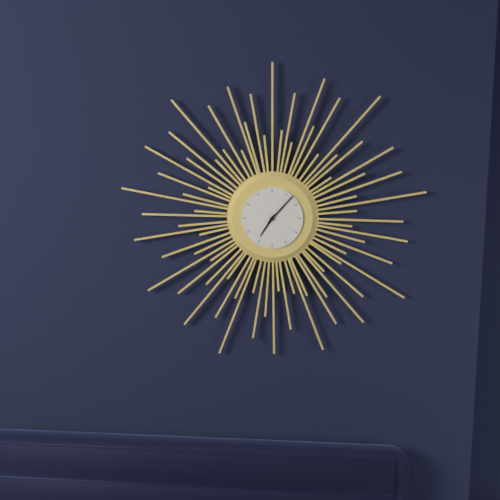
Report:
7h07
